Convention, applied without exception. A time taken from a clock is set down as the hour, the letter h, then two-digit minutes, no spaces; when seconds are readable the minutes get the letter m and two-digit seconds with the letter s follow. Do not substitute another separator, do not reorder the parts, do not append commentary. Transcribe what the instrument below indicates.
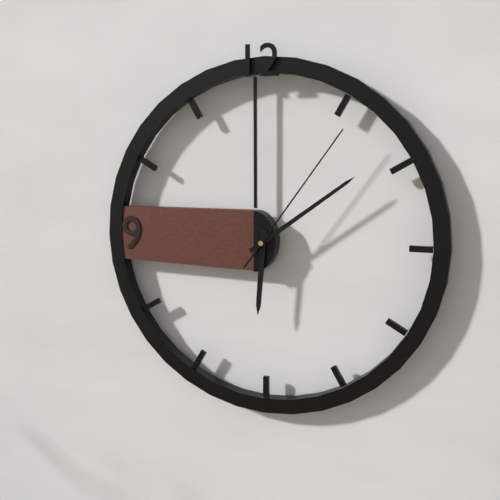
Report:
6h09m06s
